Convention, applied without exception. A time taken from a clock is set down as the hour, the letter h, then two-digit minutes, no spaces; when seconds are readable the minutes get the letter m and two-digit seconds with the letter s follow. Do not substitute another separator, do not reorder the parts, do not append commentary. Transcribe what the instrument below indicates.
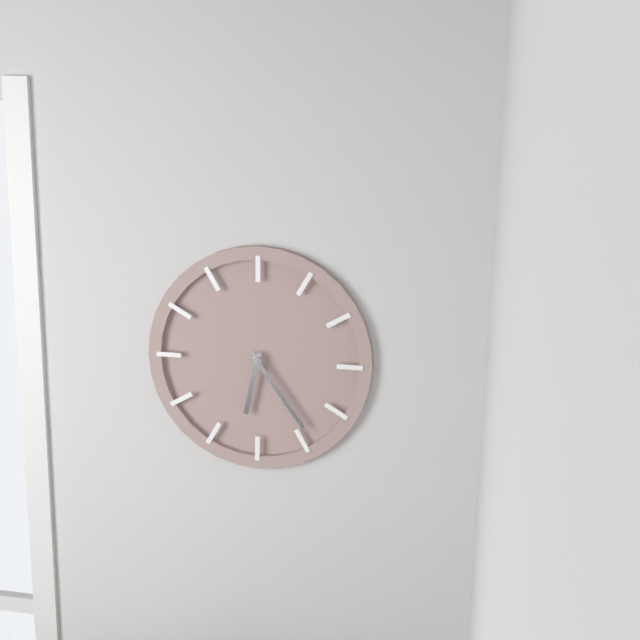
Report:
6h24
